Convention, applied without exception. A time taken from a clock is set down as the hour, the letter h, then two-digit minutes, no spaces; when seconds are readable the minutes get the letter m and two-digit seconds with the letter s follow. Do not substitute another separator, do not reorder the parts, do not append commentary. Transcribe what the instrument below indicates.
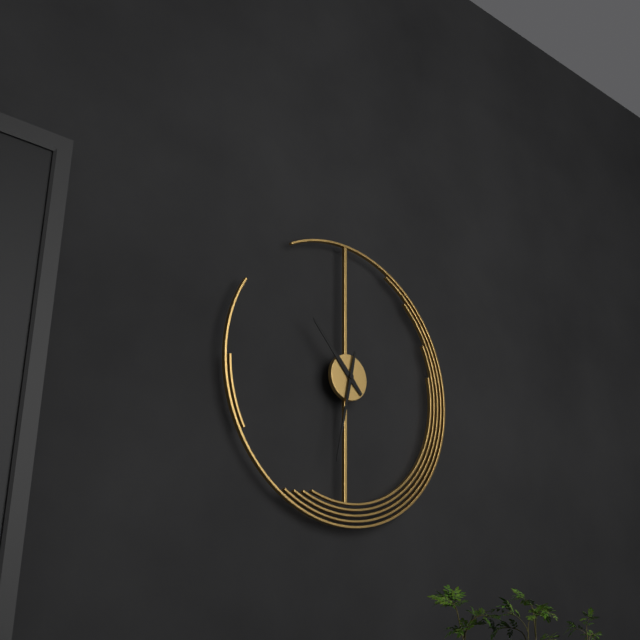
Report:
10h32
